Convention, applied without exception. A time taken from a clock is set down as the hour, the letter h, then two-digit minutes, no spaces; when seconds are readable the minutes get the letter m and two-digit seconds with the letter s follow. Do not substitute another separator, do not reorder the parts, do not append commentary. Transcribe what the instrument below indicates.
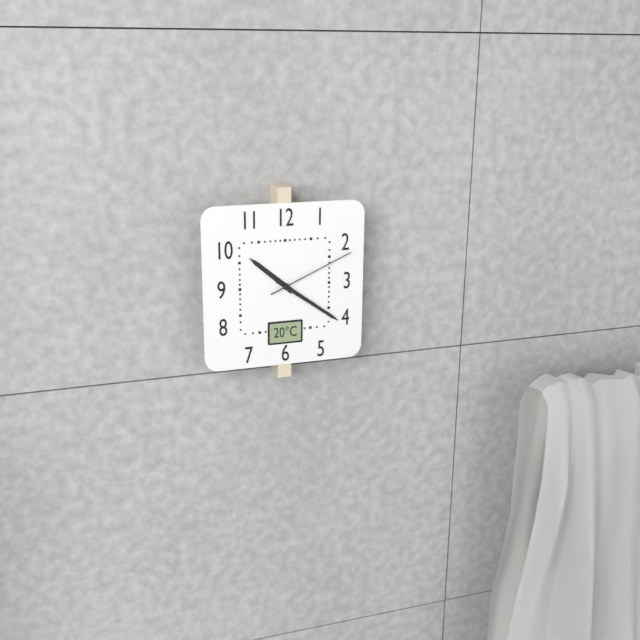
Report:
10h21m11s
